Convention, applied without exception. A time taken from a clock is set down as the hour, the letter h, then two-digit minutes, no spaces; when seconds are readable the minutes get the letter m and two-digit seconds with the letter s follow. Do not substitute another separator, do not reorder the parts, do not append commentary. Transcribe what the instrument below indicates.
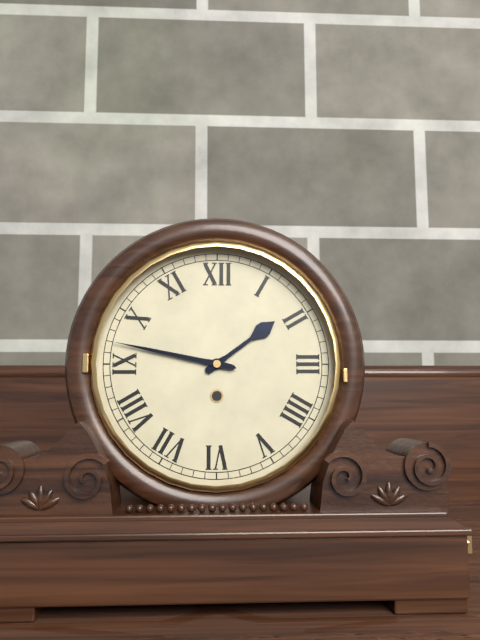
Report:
1h47
